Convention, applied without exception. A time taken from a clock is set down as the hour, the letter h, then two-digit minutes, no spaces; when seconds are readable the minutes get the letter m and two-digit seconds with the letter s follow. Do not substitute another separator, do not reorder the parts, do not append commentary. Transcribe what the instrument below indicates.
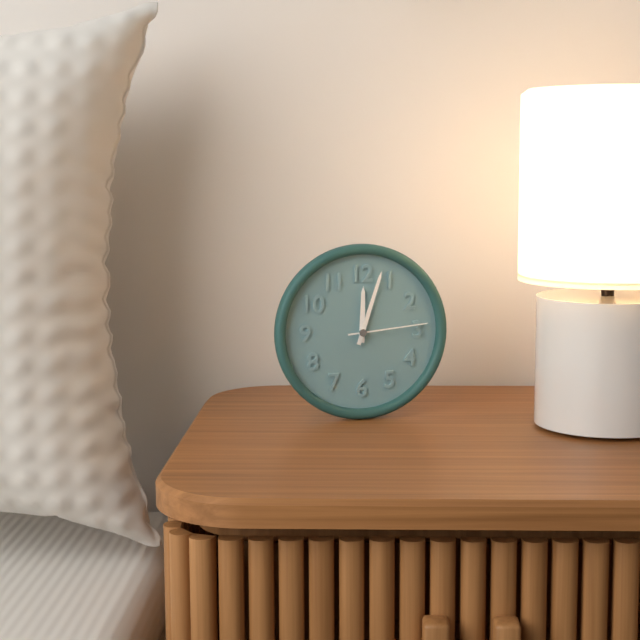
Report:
12h03m14s
